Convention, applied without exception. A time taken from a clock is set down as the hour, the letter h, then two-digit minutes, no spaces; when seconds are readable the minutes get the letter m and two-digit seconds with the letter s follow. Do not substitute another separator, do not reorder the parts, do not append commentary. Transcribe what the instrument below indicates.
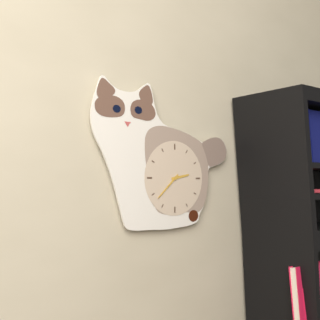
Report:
2h38
